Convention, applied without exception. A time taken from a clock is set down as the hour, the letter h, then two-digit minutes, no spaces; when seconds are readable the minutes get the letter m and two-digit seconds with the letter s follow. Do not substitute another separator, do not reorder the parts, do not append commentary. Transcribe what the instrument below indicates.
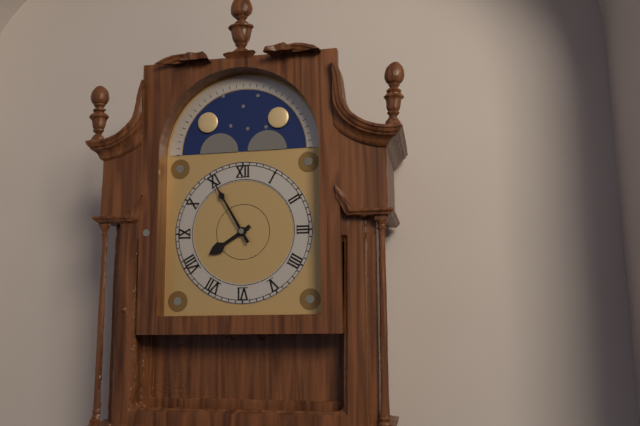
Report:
7h55
